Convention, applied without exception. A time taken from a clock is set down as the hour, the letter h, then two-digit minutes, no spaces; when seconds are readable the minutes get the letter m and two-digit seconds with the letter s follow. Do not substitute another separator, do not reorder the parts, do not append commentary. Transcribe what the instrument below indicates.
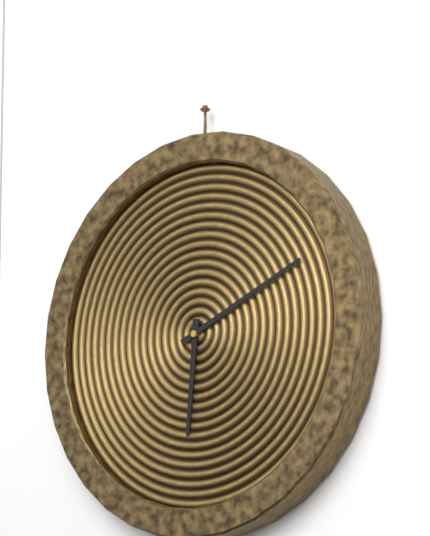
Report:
6h11
